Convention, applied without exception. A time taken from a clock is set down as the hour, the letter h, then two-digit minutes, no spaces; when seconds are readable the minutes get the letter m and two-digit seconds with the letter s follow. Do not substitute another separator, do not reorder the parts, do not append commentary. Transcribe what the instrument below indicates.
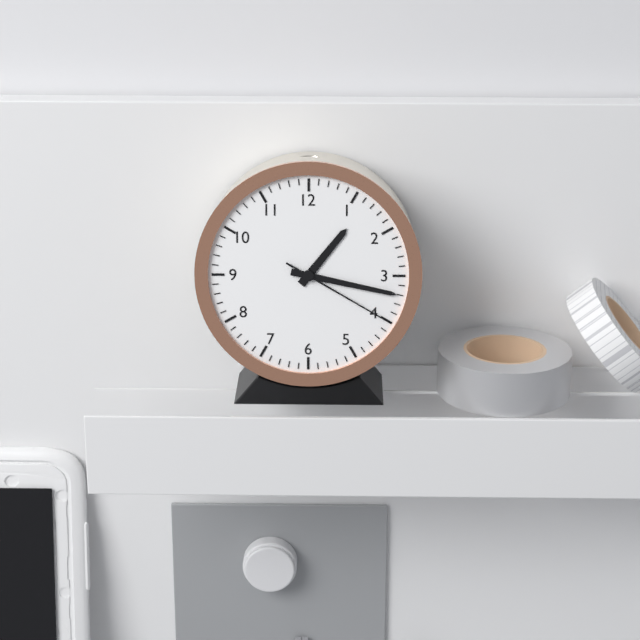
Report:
1h17m20s
